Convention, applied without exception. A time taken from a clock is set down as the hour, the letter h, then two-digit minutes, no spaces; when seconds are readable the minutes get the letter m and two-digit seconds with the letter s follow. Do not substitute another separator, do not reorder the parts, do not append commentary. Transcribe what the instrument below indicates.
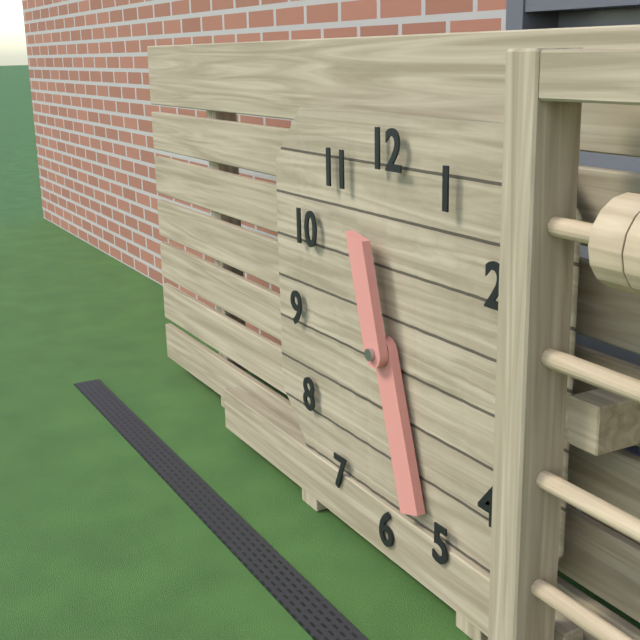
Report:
11h27
